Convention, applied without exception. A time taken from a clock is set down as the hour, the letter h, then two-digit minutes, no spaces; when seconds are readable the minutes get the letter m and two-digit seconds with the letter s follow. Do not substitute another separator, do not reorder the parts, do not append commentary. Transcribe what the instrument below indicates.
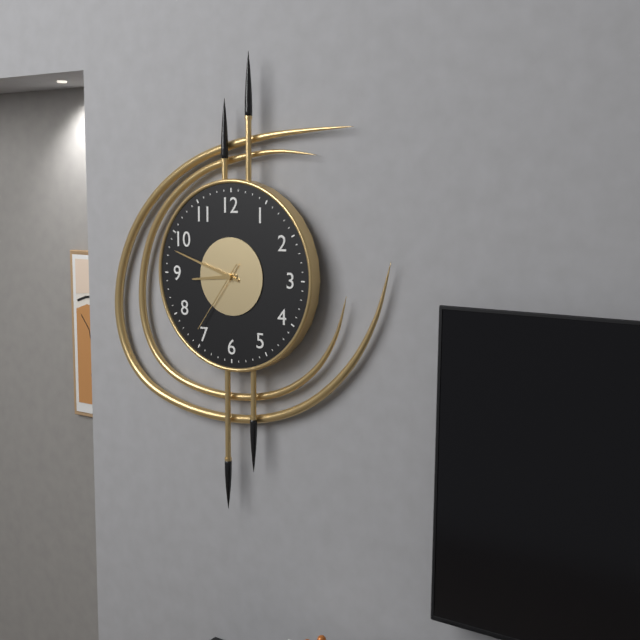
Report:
8h48m36s
